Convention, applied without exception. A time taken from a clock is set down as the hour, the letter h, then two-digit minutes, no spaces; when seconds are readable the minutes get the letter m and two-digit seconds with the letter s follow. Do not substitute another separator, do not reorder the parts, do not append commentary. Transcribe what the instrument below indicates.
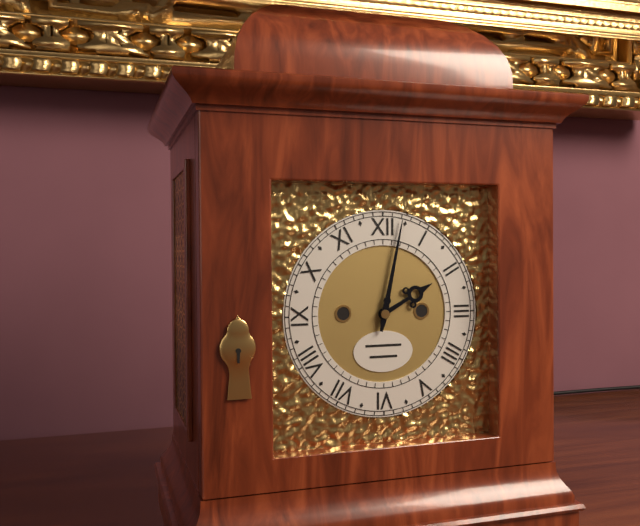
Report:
2h02
